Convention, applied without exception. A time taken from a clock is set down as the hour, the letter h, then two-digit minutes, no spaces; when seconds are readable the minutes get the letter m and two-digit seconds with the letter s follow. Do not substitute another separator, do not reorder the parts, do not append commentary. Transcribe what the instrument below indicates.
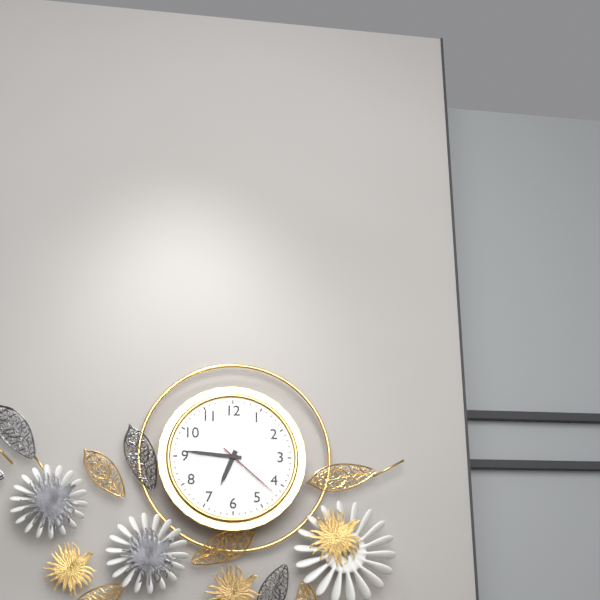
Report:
6h46m22s
